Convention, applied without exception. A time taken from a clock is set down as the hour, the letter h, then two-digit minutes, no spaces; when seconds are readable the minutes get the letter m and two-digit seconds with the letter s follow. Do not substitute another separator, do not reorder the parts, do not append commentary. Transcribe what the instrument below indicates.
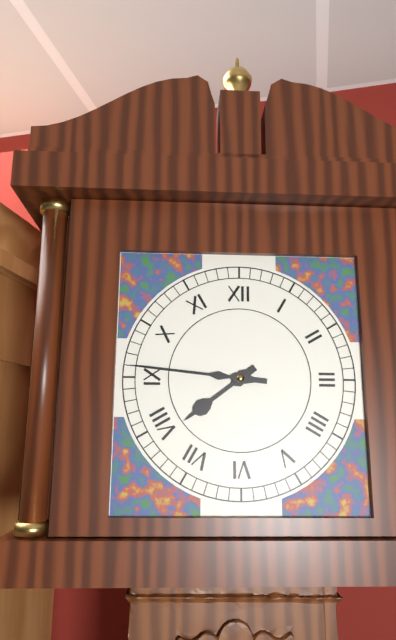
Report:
7h46
